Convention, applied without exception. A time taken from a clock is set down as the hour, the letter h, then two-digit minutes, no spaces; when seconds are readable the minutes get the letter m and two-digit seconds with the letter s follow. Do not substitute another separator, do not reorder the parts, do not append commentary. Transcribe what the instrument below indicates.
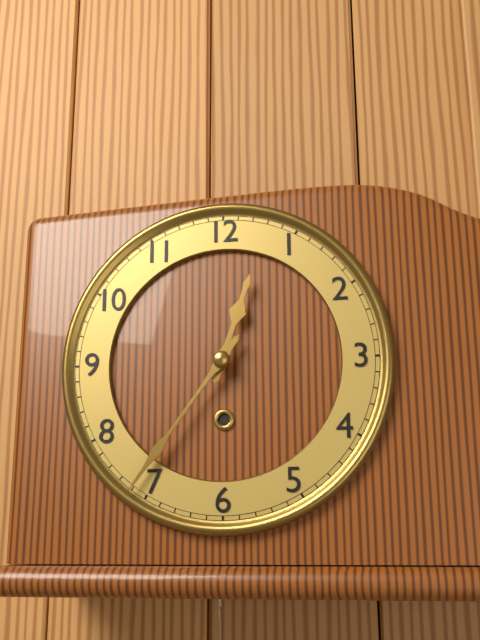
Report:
12h36
